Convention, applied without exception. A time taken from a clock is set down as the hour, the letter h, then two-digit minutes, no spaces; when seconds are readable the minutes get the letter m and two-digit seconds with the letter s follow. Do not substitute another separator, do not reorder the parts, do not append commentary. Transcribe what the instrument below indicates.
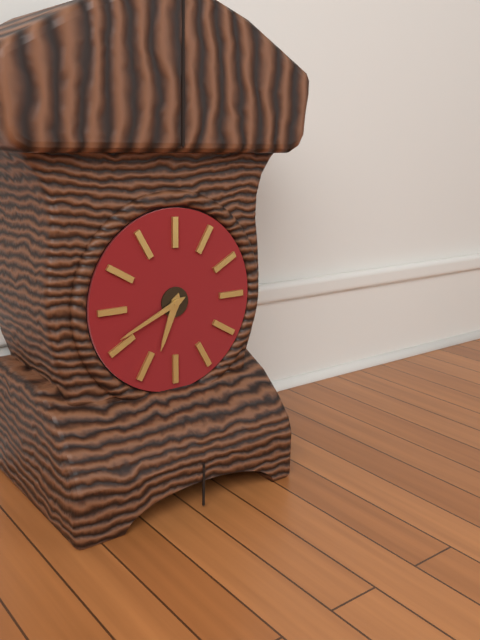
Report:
6h41
